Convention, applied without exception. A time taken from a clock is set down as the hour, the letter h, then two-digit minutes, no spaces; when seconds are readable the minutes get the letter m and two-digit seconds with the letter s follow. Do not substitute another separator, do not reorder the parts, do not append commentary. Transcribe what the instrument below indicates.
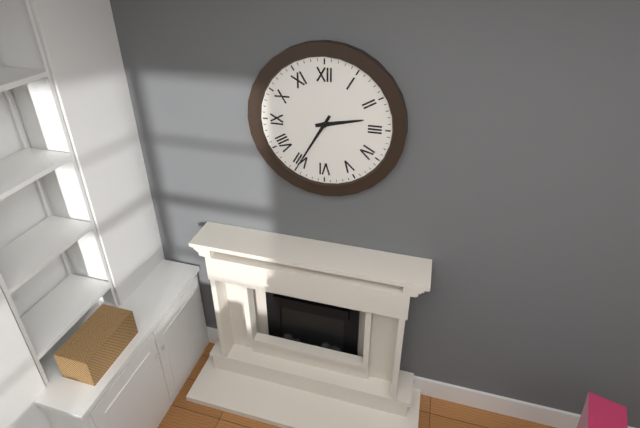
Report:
2h35
